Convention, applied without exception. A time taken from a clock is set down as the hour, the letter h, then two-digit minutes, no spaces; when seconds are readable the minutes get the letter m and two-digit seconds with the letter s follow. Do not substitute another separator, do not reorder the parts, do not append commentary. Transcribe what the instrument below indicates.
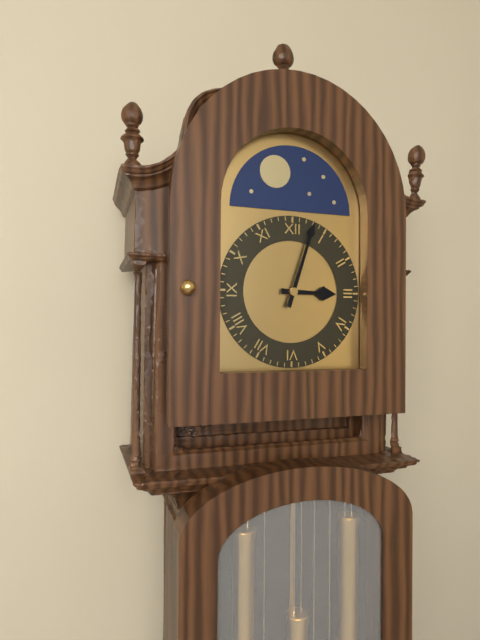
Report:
3h03
